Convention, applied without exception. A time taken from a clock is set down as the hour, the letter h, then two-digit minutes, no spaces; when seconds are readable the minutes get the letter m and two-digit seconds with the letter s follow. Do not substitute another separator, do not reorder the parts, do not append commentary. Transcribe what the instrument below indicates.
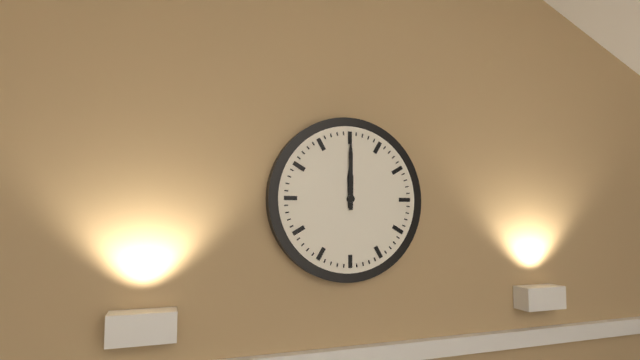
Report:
12h00
